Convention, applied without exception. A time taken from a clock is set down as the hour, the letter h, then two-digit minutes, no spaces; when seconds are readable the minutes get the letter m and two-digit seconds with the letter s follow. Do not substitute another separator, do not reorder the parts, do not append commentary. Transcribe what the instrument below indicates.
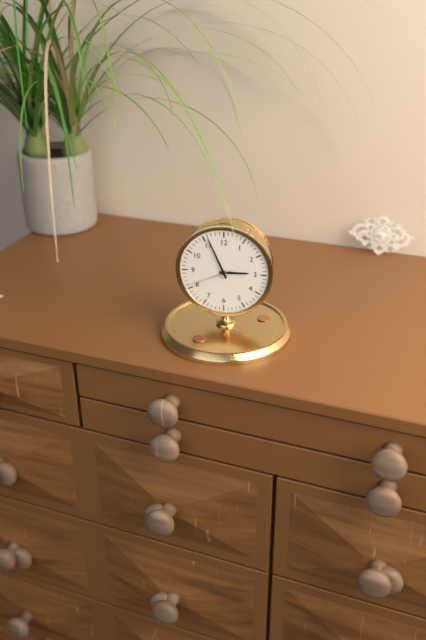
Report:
2h56
